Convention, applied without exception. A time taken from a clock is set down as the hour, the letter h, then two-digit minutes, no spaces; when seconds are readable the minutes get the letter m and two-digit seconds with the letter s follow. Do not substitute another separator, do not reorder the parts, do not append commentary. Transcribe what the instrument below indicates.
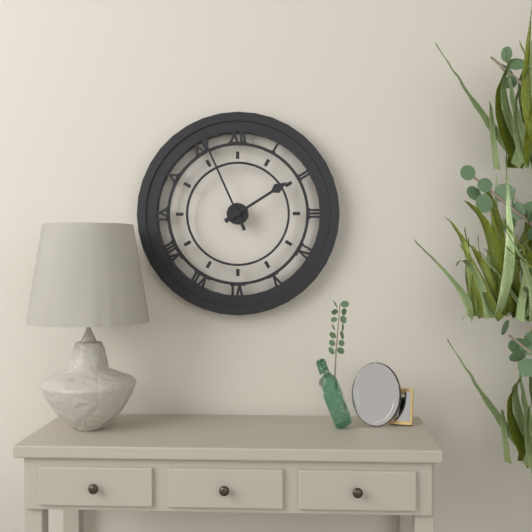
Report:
1h56
